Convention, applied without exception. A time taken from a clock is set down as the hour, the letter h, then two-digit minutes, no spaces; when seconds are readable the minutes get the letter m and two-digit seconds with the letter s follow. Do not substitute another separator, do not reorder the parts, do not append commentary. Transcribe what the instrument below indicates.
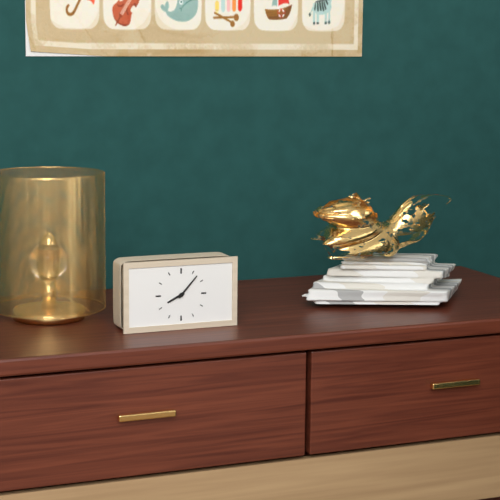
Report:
8h07
